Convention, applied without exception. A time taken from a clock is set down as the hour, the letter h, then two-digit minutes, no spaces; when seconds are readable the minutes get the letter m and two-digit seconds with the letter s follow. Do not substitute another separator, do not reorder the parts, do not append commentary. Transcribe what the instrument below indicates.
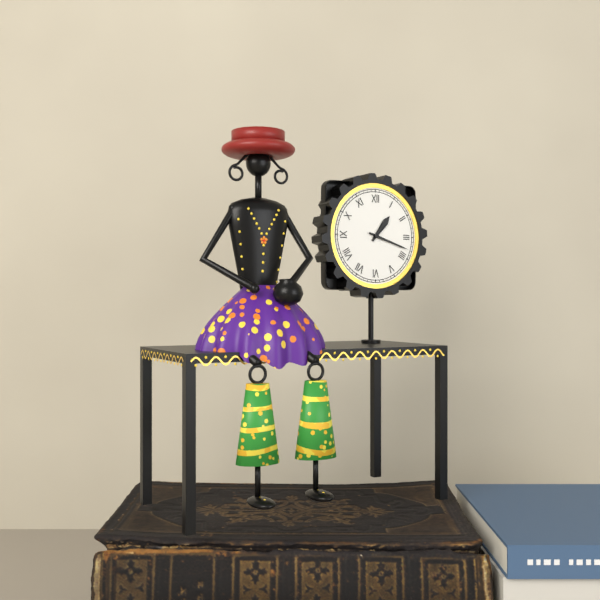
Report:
1h18
